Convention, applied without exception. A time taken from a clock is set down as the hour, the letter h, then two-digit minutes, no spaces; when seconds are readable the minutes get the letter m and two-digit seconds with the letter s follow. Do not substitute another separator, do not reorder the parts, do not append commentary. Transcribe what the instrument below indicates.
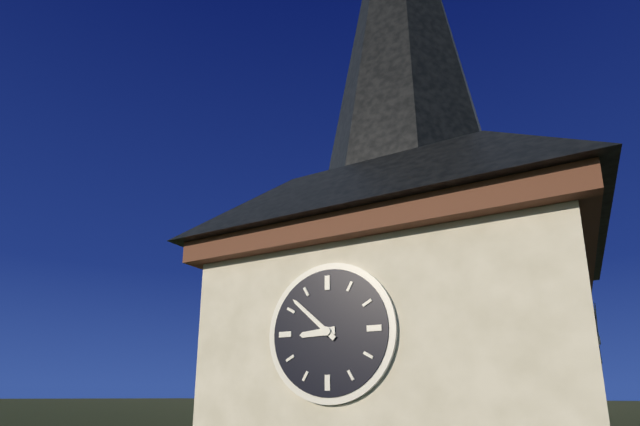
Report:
8h52
